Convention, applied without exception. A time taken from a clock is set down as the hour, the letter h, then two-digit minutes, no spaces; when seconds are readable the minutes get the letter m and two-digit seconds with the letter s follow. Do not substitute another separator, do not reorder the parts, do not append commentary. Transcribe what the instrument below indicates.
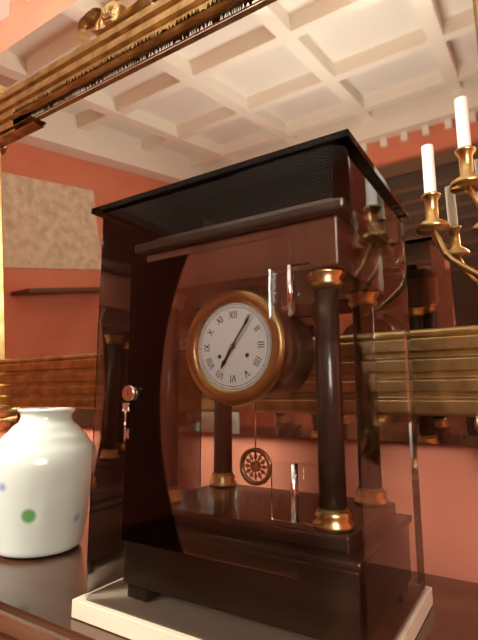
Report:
7h06
